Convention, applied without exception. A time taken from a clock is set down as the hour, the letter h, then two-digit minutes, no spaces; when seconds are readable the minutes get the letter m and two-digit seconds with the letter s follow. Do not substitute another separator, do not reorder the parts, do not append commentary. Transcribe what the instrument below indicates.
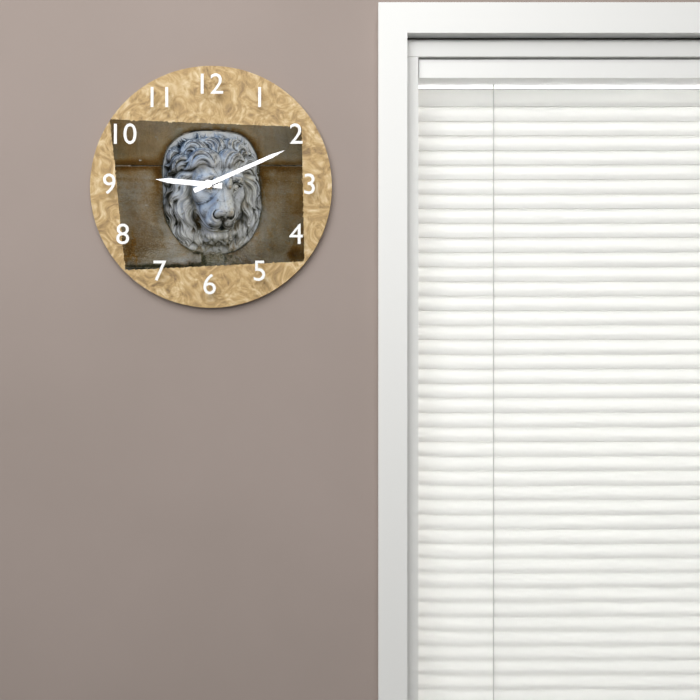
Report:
9h11
